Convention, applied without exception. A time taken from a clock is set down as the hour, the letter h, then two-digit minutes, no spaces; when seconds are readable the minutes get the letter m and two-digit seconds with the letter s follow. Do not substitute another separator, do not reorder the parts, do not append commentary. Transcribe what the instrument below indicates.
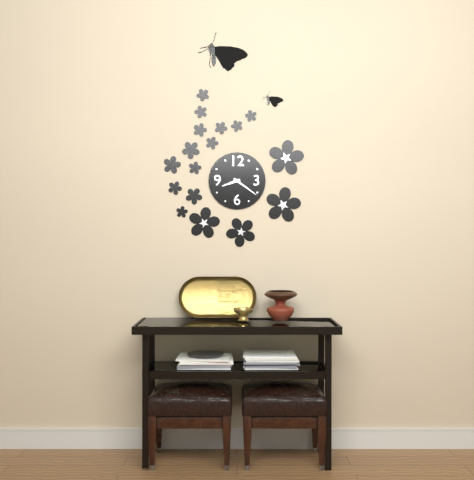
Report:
8h21
